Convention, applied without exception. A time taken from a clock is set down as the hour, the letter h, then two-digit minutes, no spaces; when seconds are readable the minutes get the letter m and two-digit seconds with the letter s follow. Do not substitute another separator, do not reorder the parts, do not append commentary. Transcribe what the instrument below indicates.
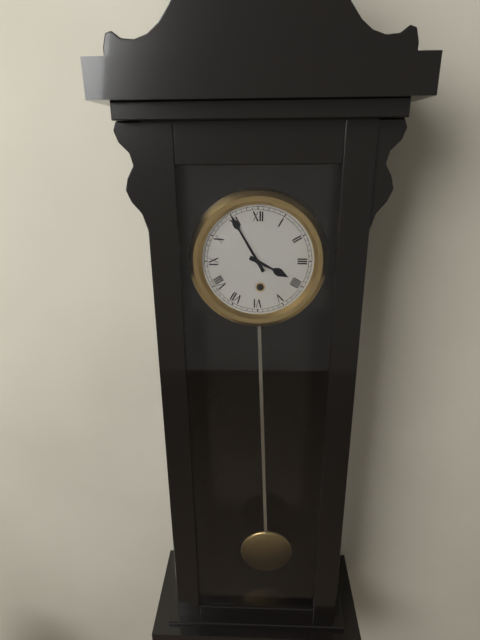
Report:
3h55
